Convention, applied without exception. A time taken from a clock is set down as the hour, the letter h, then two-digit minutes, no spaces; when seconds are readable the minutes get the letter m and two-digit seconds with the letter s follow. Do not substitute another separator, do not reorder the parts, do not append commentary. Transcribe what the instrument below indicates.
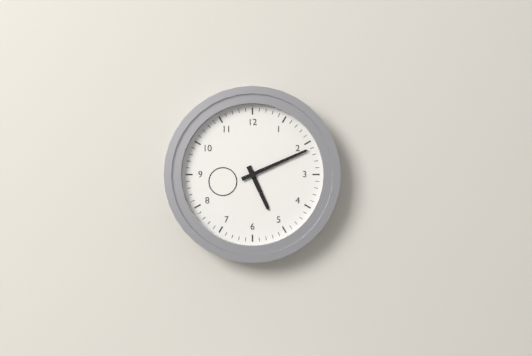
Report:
5h11
